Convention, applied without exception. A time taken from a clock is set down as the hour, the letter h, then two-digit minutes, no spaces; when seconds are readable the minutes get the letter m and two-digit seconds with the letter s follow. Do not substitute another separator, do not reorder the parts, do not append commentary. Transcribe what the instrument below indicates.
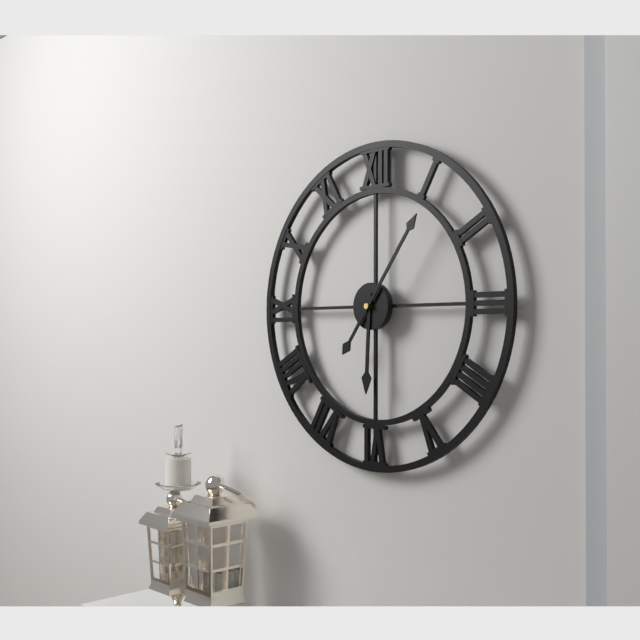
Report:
6h06
